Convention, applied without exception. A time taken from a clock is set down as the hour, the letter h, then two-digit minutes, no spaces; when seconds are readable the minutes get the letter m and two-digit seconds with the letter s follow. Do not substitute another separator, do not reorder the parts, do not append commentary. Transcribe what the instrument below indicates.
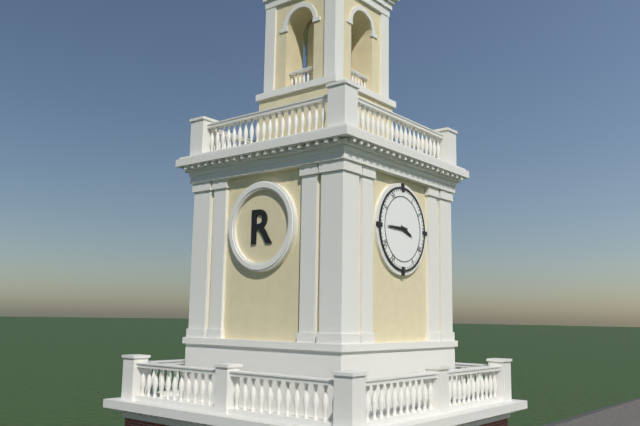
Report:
3h45
